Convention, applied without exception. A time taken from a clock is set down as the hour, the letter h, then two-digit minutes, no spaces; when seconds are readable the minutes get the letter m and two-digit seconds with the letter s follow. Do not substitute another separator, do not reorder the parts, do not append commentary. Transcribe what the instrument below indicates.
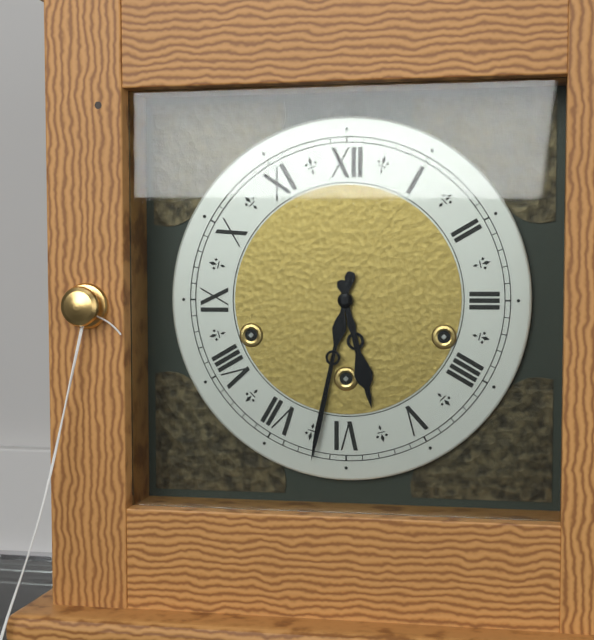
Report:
5h32
